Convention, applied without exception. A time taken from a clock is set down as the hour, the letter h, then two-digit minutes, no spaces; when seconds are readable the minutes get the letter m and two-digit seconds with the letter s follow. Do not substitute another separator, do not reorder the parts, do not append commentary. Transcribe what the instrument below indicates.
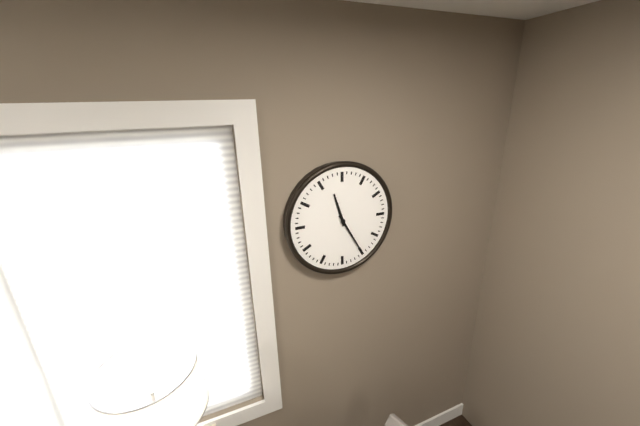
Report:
11h25
